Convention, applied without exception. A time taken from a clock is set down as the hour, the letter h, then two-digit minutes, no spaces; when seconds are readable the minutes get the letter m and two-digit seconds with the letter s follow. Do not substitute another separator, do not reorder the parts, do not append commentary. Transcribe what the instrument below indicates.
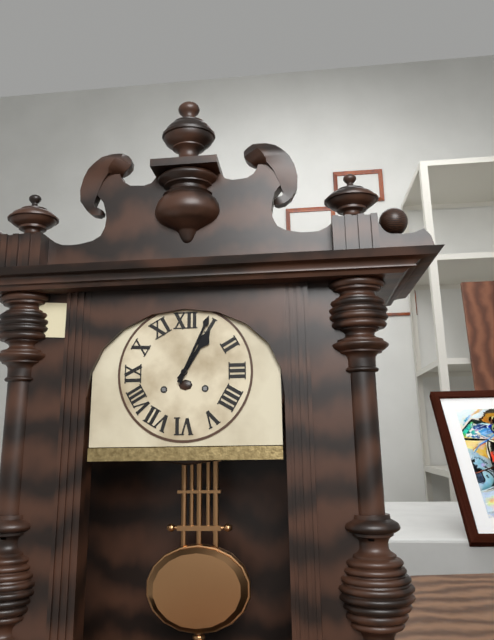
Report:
1h04
